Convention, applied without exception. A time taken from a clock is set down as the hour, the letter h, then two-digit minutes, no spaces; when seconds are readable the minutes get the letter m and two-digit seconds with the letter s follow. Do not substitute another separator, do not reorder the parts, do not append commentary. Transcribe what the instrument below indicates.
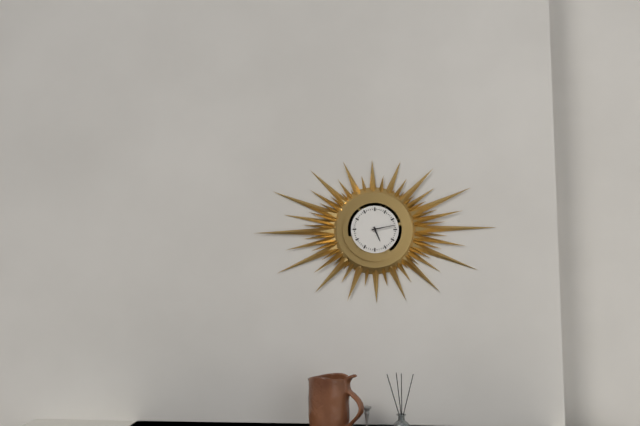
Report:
5h13
